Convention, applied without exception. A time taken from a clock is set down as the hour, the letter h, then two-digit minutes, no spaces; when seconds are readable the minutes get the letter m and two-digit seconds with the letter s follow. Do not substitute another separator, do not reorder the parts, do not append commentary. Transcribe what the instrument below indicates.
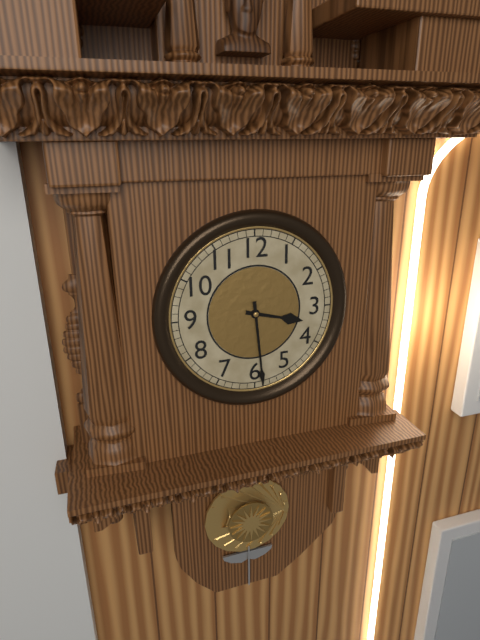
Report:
3h29
